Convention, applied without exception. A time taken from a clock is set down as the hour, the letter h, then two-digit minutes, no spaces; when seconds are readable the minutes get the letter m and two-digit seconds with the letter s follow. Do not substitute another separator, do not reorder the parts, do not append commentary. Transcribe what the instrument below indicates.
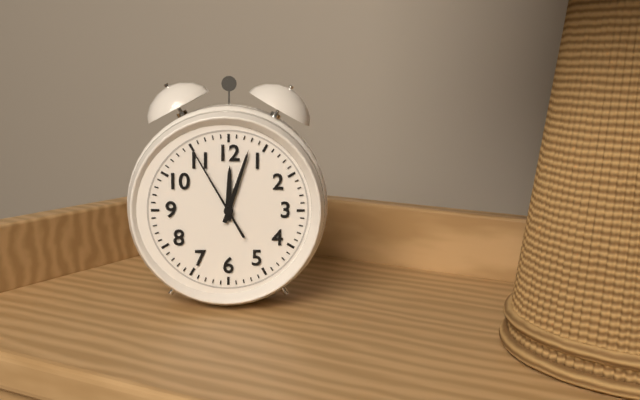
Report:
12h03m55s
